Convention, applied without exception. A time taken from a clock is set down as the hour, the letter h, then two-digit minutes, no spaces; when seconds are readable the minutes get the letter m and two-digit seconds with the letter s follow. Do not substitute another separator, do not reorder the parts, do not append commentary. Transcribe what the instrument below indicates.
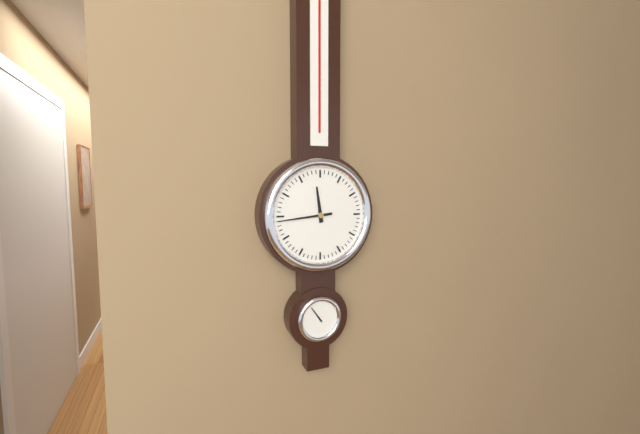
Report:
11h44
